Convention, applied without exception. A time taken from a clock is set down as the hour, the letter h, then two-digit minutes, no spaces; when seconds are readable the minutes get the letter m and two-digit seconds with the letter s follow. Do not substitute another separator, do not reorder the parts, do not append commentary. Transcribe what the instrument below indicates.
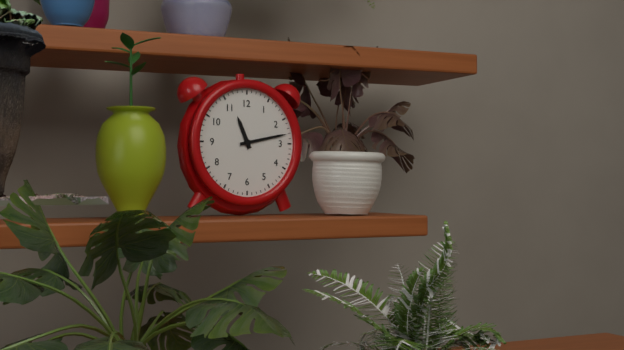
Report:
11h13
